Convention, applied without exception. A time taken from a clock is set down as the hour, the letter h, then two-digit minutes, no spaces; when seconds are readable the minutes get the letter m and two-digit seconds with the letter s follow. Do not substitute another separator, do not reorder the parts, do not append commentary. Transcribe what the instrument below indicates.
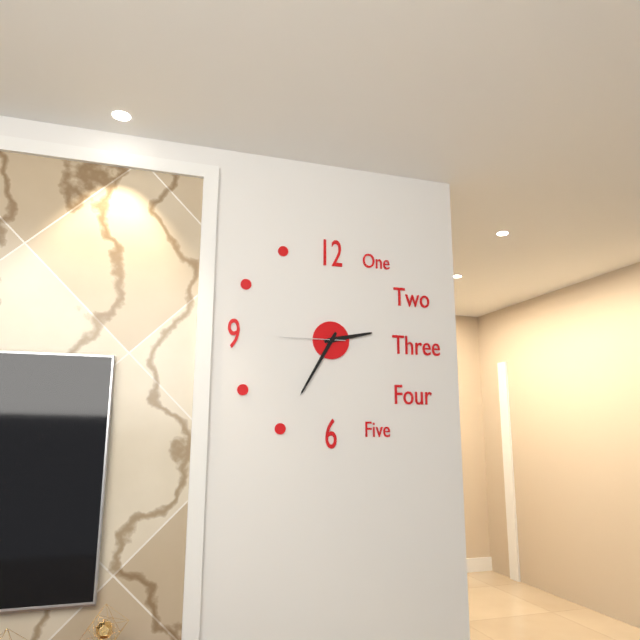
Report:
2h35m45s
